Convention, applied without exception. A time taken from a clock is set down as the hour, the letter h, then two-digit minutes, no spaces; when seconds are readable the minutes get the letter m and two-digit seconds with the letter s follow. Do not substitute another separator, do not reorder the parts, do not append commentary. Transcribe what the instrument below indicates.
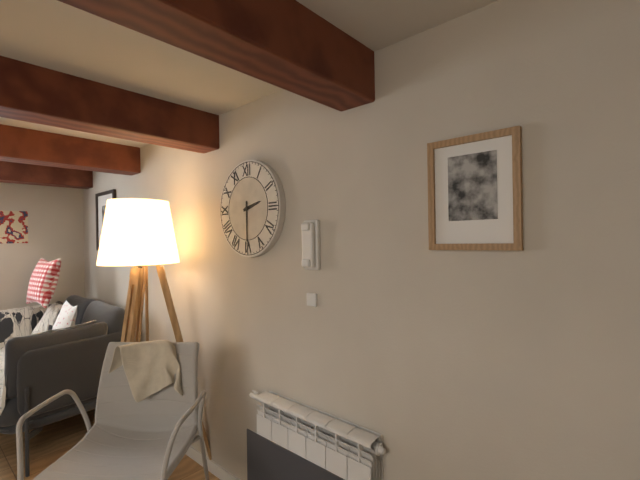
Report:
2h30
